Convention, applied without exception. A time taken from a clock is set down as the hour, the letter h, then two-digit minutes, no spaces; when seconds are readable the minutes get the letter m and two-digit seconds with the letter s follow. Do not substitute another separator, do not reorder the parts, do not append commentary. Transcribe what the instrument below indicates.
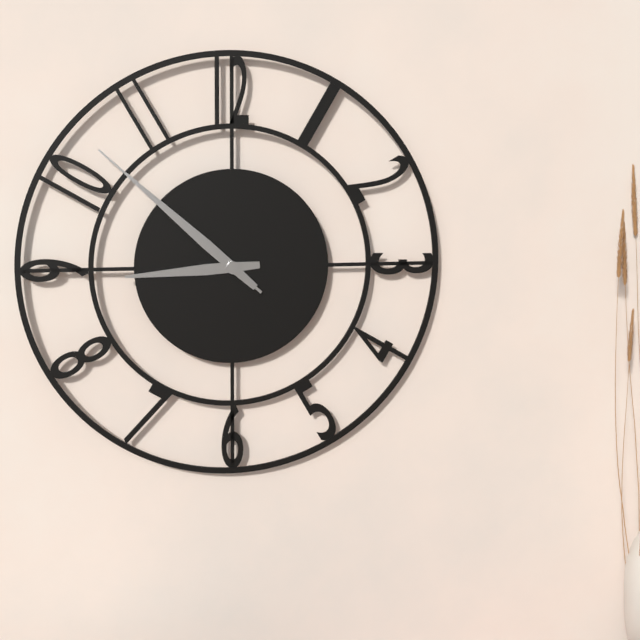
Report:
8h52m52s
